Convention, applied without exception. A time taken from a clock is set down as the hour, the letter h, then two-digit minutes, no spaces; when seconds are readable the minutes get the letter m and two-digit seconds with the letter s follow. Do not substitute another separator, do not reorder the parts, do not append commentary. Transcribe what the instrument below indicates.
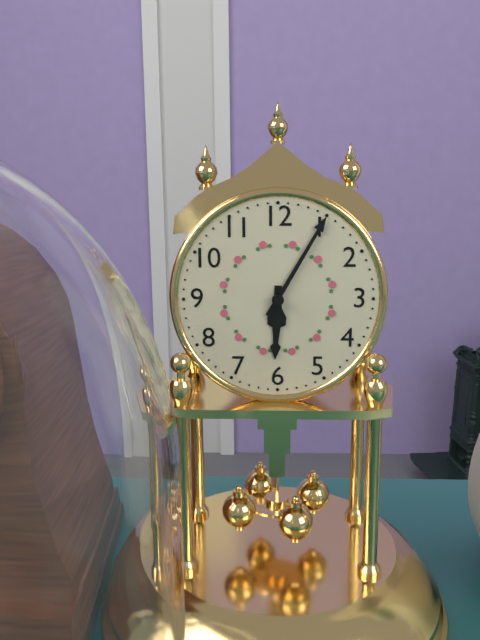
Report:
6h05
